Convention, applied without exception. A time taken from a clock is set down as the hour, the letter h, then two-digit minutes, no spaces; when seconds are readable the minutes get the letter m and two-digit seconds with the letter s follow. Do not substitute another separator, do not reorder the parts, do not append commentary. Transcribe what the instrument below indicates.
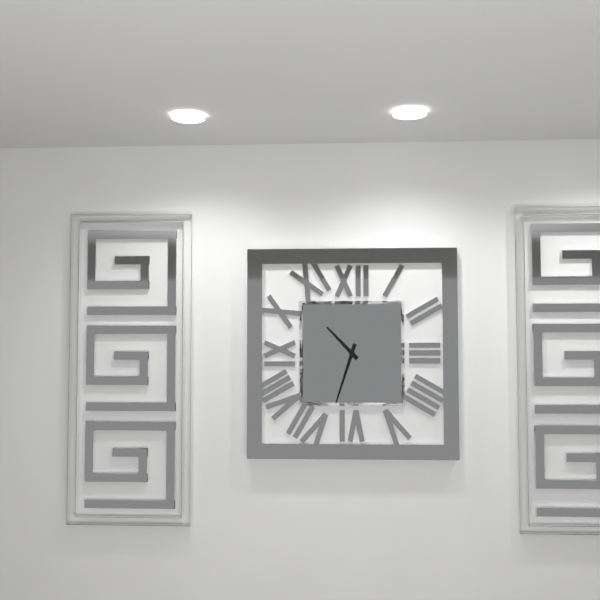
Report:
10h33
